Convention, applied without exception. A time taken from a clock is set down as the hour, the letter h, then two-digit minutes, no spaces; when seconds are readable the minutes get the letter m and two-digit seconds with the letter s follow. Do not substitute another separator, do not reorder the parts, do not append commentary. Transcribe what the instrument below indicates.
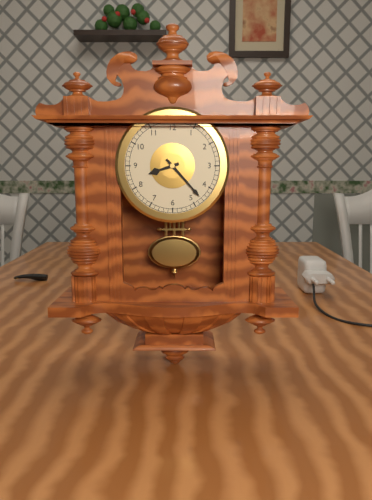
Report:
8h23
